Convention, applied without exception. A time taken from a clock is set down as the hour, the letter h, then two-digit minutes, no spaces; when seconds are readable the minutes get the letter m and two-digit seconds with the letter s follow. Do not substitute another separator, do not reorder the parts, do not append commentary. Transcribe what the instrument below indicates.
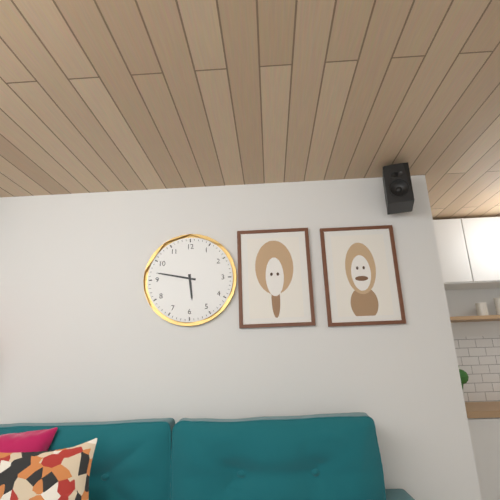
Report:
5h47
